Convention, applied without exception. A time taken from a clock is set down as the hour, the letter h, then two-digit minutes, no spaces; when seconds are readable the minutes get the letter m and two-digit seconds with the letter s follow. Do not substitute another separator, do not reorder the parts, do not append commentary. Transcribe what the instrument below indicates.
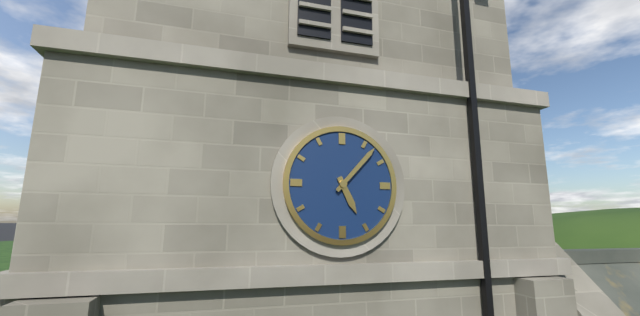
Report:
5h07
